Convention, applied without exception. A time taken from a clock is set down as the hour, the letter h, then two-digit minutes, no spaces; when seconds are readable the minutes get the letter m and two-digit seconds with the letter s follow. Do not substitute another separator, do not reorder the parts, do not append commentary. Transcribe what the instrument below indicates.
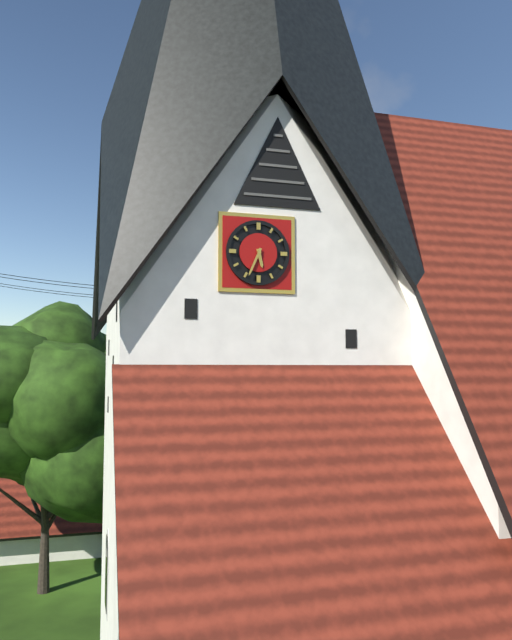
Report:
5h34
